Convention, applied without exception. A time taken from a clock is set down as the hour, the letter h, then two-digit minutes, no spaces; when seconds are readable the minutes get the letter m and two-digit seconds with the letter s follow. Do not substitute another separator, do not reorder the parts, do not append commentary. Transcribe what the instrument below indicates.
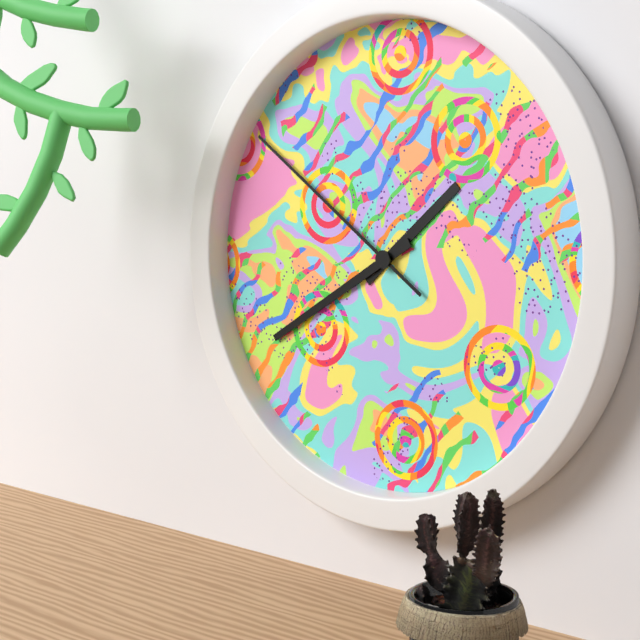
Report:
1h40m51s
